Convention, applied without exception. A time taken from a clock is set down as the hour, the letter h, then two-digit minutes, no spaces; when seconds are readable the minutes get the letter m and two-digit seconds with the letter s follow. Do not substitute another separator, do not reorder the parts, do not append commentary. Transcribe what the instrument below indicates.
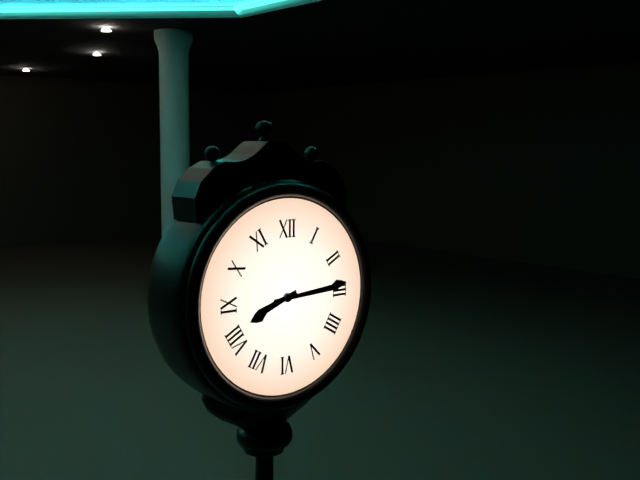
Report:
8h14
